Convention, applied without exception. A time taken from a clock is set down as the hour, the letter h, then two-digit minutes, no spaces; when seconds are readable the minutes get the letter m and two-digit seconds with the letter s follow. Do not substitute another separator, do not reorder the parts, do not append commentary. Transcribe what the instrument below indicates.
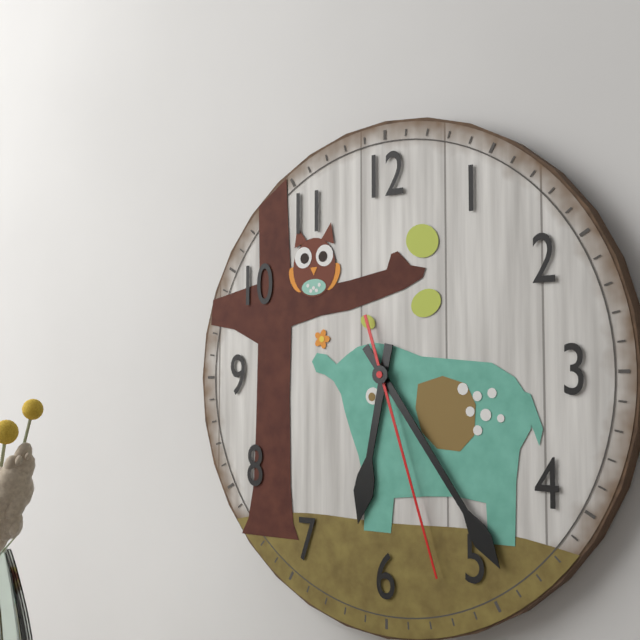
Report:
6h24m27s
